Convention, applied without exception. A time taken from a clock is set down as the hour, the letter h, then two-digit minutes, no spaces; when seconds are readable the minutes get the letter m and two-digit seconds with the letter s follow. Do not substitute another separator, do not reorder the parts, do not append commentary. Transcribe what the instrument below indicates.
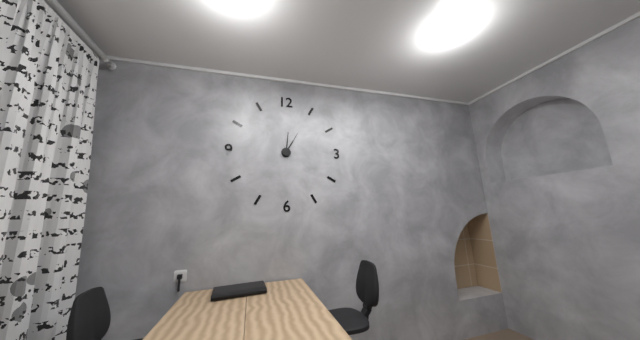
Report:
1h01
